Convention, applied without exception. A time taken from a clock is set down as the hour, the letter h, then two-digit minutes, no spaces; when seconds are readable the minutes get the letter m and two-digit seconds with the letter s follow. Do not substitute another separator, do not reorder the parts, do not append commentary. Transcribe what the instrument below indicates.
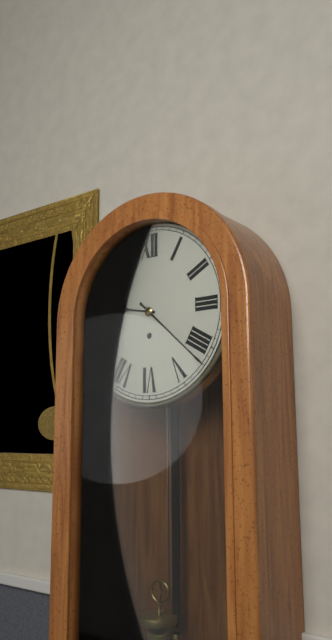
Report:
9h22
